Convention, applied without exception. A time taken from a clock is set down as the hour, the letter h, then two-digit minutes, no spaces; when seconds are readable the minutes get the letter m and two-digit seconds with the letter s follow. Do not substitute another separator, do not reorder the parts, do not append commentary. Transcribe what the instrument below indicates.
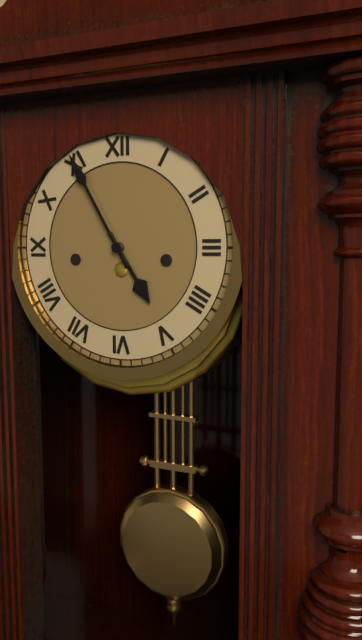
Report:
4h55
